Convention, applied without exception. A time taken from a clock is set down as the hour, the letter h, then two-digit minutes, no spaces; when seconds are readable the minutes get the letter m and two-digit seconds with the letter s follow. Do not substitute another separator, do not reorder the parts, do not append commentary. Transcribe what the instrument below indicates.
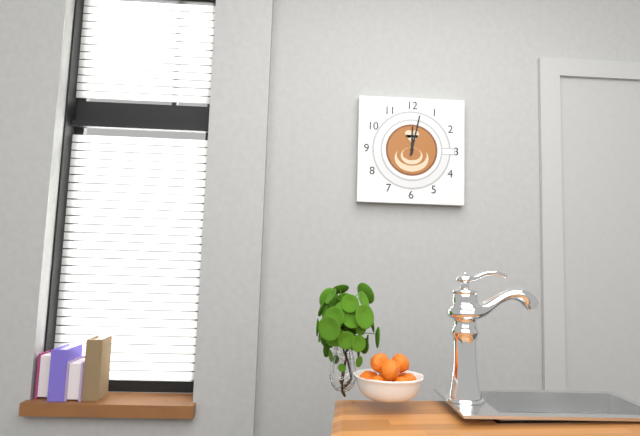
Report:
12h02
